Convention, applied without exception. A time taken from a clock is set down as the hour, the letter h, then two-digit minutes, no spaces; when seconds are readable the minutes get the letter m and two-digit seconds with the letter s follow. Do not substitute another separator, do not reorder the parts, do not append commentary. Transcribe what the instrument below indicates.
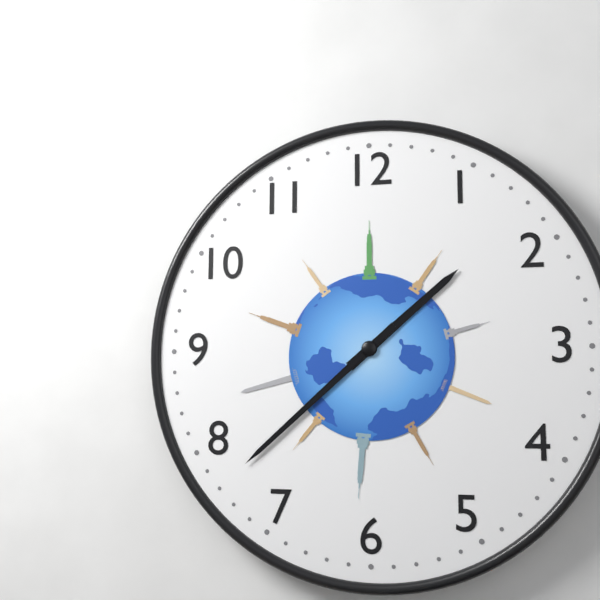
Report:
1h38
